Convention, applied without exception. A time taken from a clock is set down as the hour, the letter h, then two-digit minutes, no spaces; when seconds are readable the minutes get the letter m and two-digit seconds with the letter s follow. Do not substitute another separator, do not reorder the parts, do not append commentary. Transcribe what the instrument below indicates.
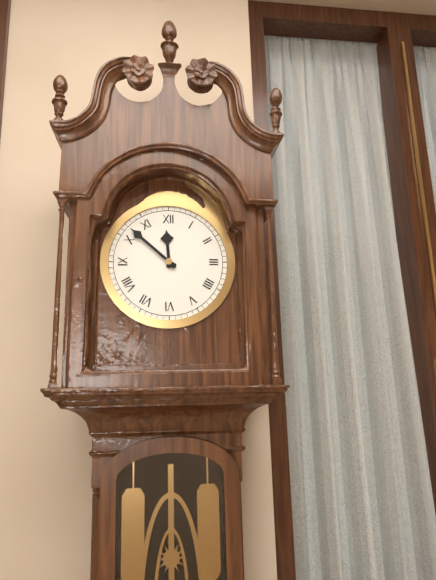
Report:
11h52
